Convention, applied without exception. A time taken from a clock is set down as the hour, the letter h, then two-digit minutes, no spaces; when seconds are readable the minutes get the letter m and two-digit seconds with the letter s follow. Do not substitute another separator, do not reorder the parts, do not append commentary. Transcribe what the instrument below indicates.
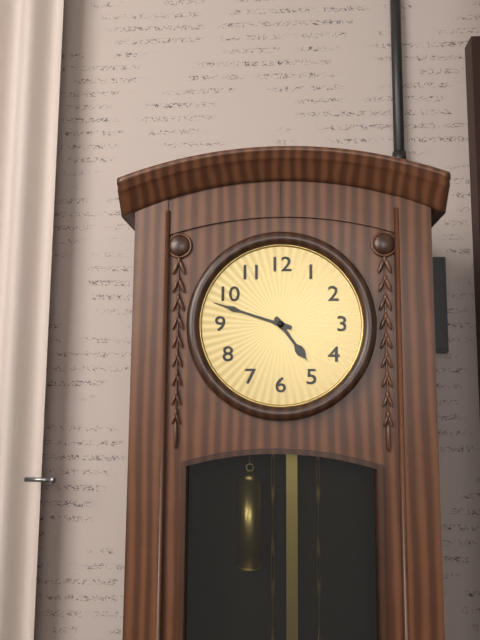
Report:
4h48
